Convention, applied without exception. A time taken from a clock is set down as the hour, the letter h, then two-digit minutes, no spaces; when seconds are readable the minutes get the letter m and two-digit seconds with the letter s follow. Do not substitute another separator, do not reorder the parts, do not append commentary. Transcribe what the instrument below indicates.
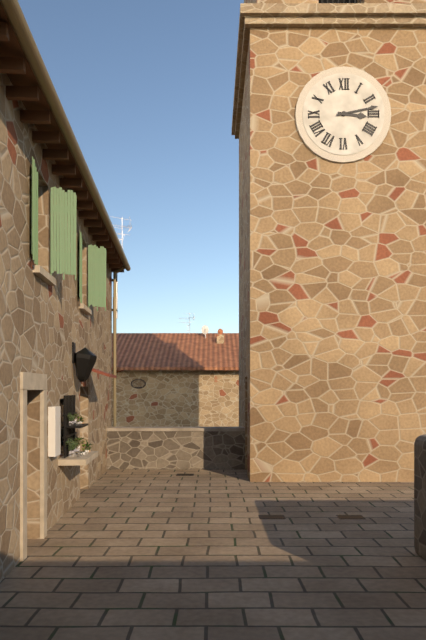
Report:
3h13
